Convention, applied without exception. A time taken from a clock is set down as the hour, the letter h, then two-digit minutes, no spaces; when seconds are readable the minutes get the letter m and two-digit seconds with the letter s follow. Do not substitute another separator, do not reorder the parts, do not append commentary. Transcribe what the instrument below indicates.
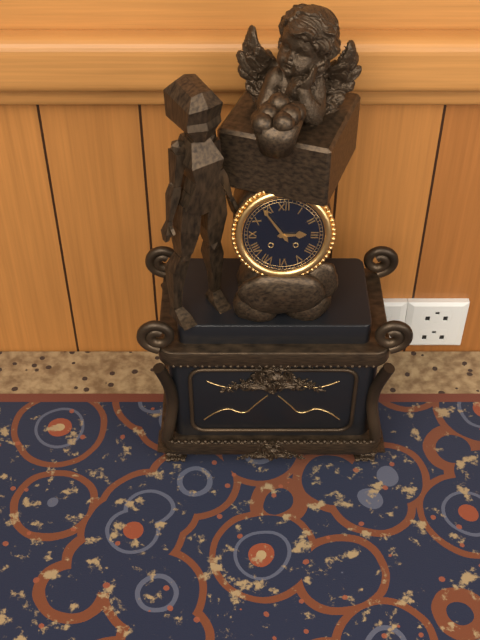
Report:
2h54
